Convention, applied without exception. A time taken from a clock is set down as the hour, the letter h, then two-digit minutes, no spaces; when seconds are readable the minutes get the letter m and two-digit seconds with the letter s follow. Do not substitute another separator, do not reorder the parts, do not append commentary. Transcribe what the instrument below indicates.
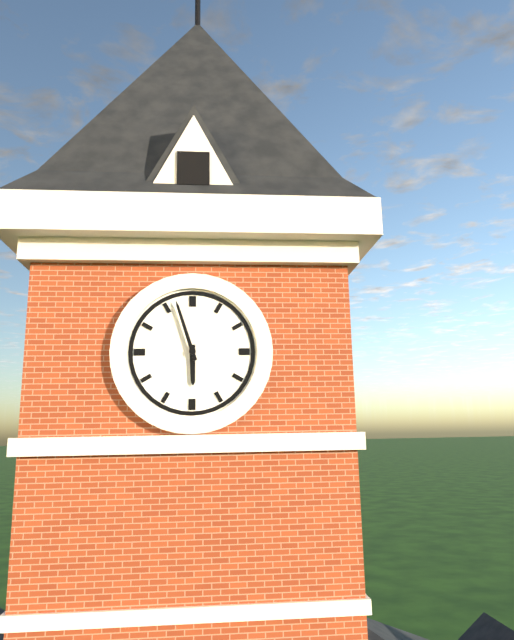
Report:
5h57
